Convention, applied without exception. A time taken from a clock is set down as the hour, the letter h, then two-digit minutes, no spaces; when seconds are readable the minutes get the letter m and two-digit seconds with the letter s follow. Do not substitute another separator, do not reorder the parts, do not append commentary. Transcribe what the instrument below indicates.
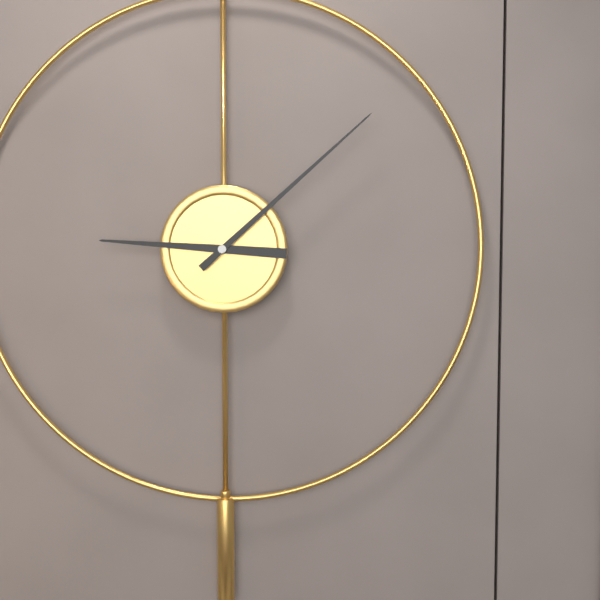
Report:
9h08
